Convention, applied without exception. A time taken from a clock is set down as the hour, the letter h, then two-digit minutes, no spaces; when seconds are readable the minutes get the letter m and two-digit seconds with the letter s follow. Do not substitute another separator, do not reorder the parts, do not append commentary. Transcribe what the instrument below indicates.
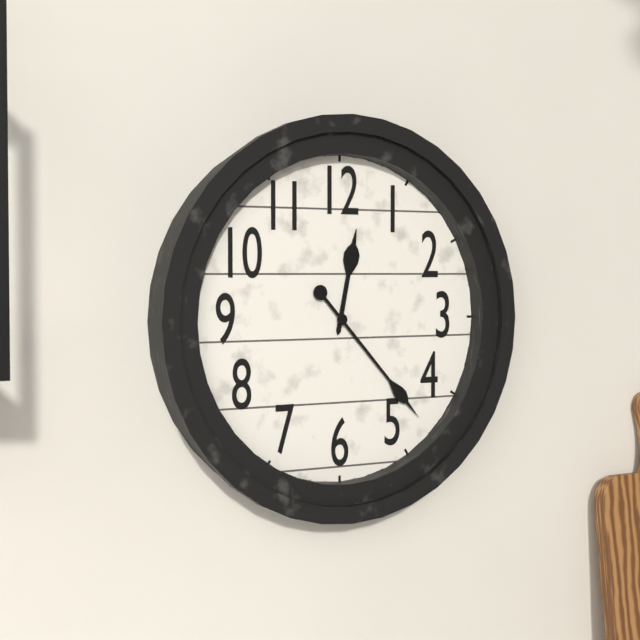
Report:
12h23
